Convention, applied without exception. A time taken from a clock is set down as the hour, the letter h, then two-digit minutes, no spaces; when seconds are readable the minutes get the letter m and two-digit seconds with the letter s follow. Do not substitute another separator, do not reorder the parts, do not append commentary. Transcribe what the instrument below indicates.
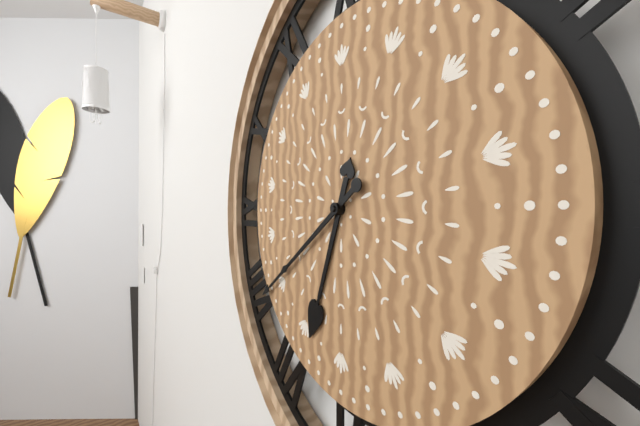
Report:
6h39
